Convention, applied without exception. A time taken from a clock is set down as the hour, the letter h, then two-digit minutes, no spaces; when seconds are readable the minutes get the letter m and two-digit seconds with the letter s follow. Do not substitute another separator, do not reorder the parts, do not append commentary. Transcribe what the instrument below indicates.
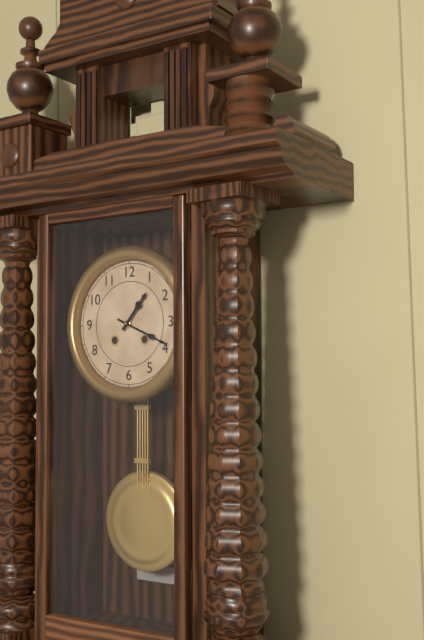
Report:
1h19
